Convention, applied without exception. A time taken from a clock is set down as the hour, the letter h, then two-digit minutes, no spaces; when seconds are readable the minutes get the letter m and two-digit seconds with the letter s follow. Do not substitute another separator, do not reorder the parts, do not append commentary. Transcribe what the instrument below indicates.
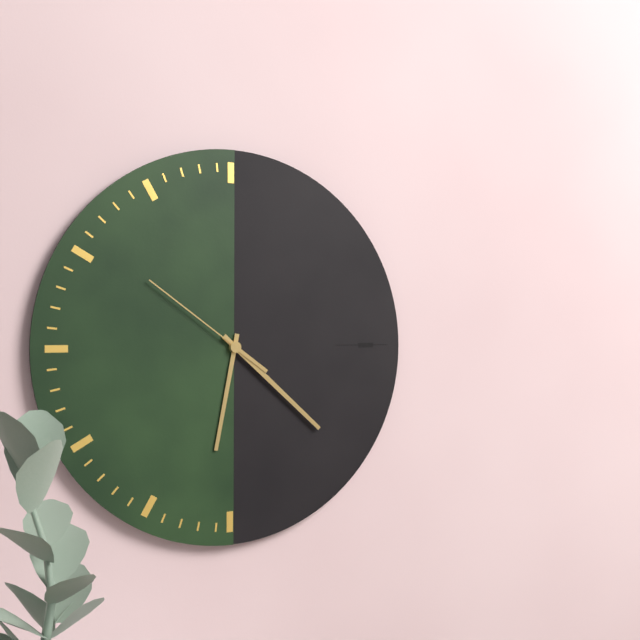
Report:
6h22m51s
